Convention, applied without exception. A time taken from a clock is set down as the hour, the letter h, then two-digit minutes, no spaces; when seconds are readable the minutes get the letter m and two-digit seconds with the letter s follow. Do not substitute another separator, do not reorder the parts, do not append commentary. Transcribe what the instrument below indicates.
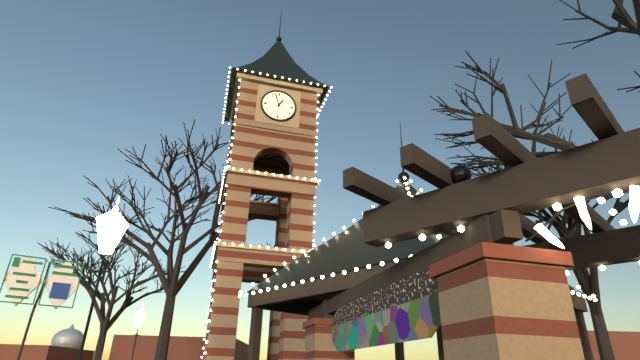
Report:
12h57
